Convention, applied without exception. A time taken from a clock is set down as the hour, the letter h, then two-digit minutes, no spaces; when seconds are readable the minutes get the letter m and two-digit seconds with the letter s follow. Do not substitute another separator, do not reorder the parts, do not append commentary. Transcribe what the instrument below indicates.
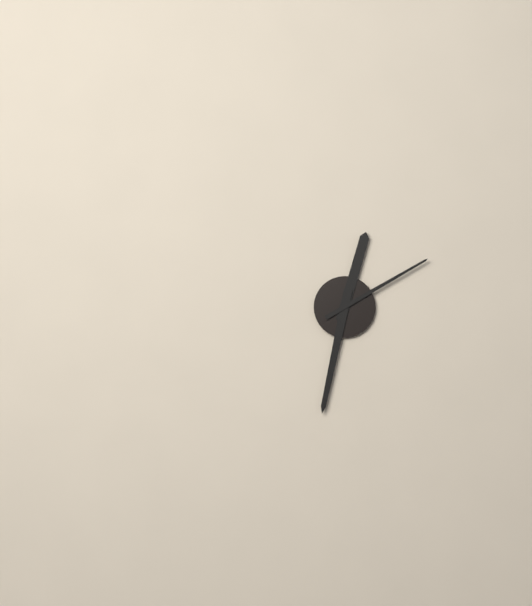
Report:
12h32m10s
